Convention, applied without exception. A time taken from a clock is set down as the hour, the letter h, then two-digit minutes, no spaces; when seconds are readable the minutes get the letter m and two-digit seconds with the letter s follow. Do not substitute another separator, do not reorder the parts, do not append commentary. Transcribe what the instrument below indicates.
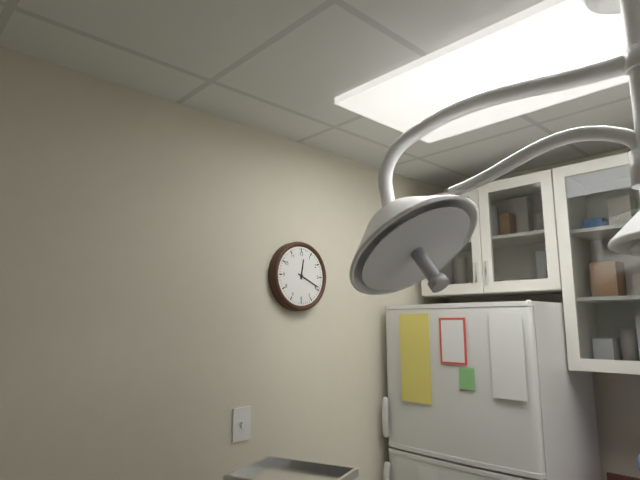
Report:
12h19
